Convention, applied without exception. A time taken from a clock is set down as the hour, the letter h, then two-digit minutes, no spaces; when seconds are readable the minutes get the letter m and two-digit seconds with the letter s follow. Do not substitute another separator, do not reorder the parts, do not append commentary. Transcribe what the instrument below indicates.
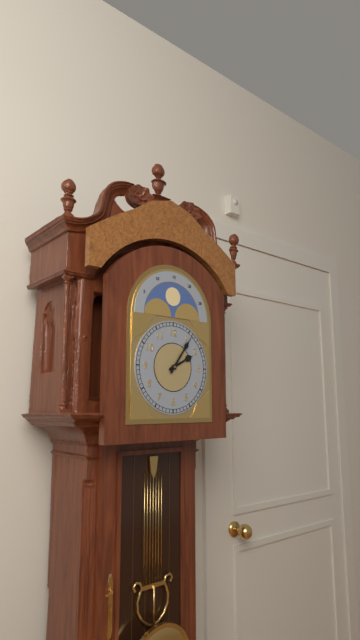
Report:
2h06
